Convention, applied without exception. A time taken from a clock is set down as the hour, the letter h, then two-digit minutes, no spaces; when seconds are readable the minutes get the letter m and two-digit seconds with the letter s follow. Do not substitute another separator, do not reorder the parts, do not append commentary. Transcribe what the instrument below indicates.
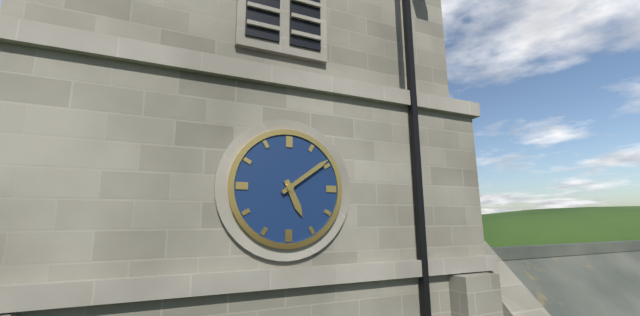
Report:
5h09
